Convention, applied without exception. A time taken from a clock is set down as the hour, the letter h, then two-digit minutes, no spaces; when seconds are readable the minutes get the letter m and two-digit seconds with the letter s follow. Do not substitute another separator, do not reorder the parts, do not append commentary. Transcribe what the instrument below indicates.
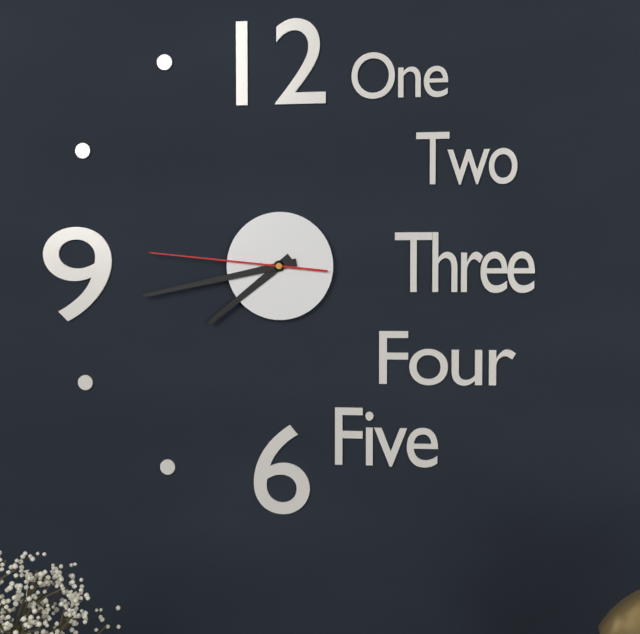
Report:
7h43m46s
